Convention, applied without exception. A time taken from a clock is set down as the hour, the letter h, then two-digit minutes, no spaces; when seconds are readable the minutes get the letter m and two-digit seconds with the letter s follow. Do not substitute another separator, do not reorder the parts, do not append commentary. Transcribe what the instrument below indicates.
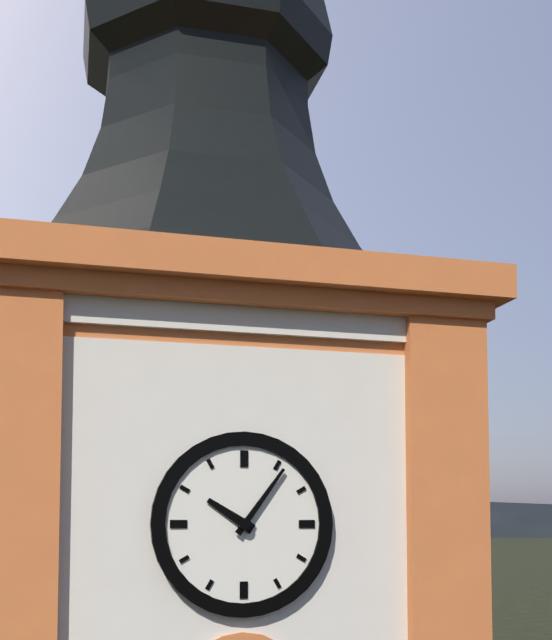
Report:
10h06
